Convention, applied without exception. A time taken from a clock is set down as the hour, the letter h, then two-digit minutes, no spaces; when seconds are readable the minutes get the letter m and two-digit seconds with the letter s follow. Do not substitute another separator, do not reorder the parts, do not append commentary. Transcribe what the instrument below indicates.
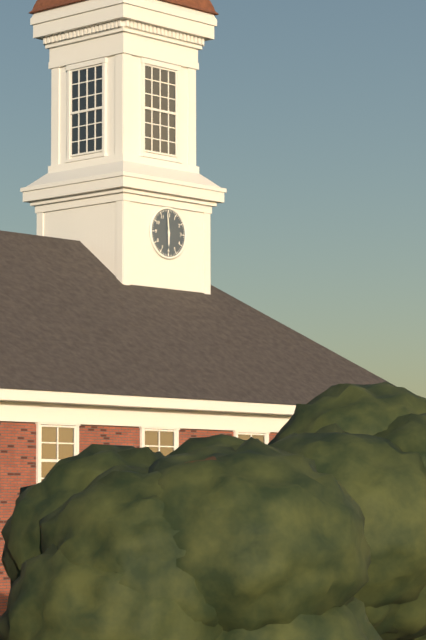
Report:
5h59
